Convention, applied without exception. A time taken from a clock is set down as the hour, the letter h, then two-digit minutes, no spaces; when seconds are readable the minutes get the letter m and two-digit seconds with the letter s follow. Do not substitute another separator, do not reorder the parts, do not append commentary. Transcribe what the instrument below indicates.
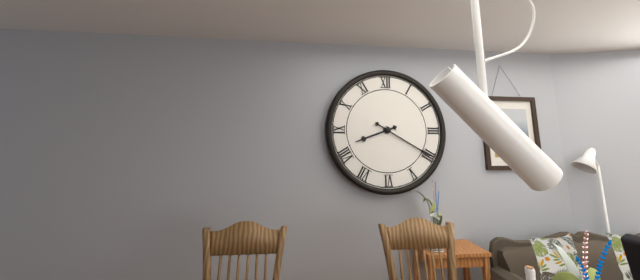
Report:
8h20
